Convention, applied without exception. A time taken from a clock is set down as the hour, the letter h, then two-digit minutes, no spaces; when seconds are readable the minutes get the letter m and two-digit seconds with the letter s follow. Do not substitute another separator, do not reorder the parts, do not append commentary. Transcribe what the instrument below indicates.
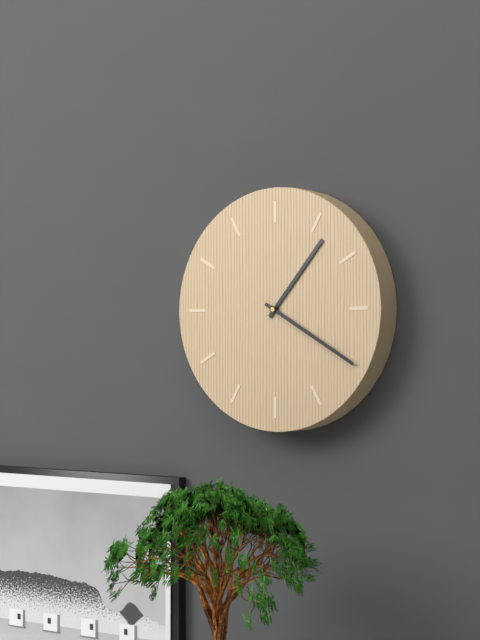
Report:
1h20
